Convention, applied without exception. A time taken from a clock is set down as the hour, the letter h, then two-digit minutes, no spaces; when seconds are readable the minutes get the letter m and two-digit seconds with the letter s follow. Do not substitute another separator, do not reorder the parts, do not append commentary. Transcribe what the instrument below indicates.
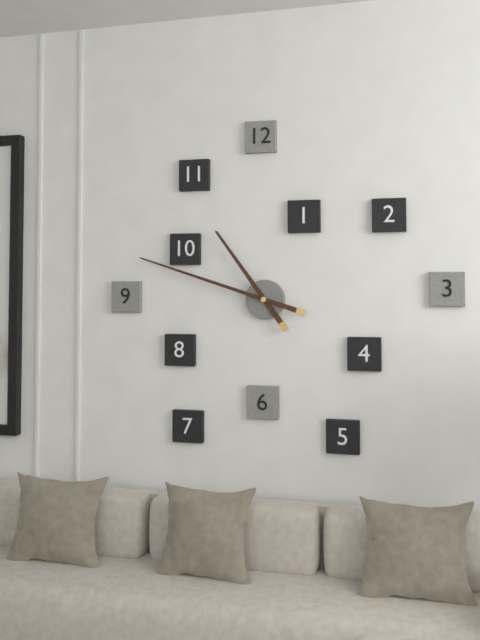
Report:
10h48
